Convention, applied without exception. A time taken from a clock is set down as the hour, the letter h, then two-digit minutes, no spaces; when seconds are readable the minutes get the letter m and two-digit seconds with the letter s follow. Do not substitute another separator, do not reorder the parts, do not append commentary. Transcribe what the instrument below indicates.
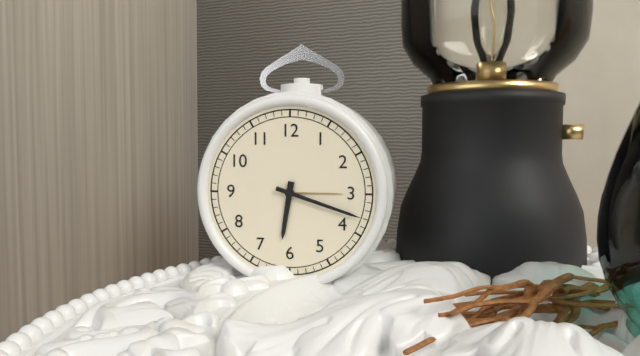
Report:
6h18
